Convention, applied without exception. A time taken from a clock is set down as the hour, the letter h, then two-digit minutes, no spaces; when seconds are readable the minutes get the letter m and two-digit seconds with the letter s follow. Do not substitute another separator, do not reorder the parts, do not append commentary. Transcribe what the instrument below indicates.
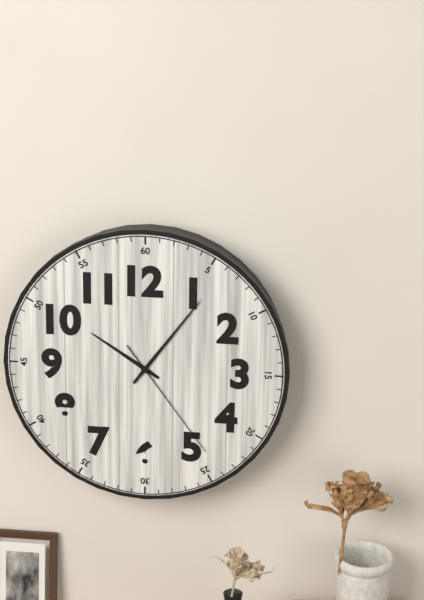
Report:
10h06m24s
